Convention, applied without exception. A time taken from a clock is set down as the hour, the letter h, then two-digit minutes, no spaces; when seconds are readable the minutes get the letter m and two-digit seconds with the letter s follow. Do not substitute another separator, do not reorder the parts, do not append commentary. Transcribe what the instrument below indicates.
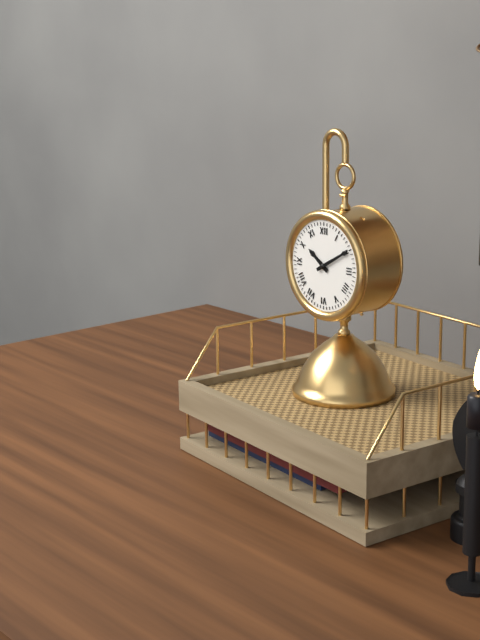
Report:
10h10
